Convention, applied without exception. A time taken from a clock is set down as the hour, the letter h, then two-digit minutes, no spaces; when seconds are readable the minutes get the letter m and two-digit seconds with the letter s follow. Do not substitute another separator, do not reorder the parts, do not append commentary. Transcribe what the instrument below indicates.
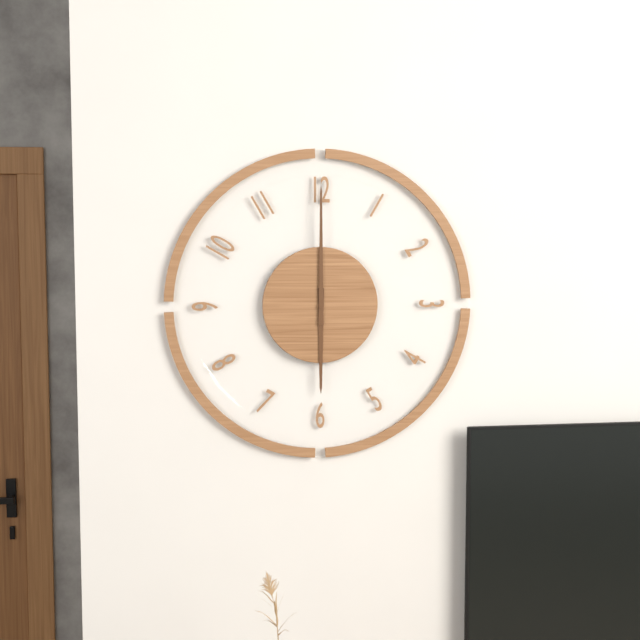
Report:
6h00
